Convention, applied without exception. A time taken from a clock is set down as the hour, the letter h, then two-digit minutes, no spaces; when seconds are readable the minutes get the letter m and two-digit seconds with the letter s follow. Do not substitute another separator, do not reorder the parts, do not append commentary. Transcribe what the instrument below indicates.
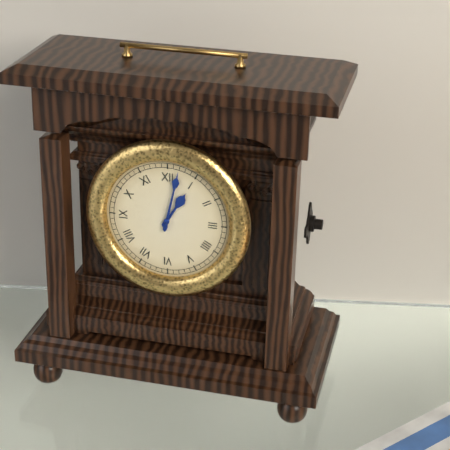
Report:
1h02
